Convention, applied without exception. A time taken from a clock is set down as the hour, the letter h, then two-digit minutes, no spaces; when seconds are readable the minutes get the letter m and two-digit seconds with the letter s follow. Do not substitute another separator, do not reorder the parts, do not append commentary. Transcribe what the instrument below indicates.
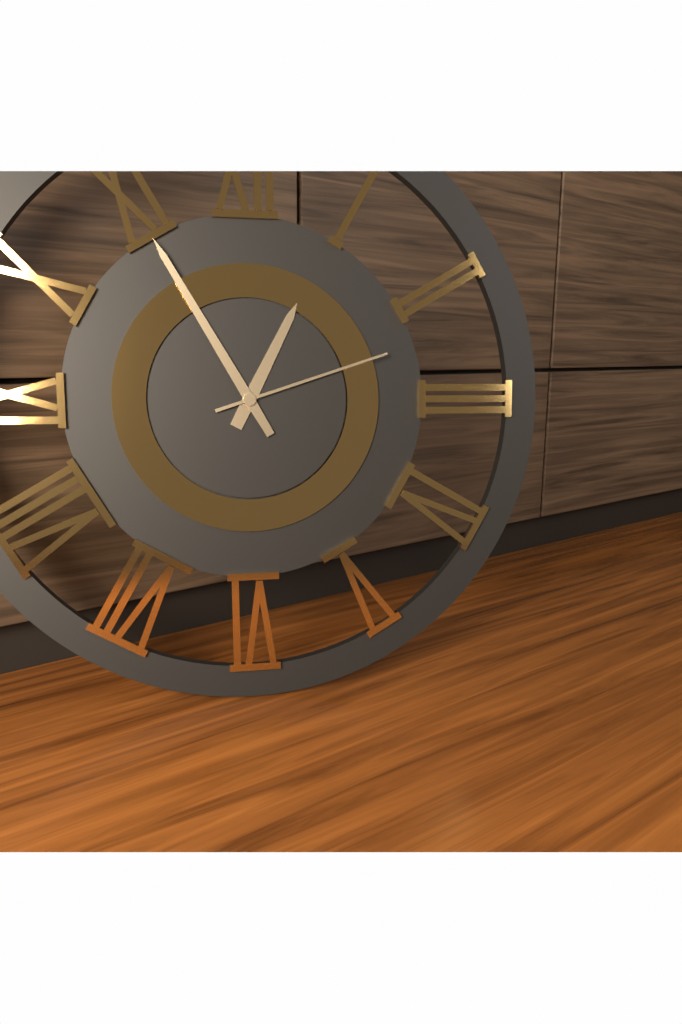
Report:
12h55m12s
